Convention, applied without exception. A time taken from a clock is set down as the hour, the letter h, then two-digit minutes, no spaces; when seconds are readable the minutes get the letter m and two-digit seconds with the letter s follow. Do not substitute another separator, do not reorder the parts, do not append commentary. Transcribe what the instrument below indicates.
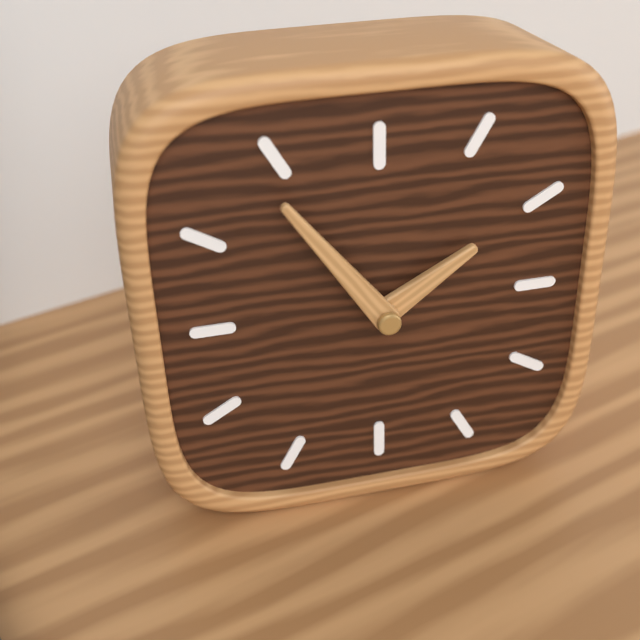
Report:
1h54
